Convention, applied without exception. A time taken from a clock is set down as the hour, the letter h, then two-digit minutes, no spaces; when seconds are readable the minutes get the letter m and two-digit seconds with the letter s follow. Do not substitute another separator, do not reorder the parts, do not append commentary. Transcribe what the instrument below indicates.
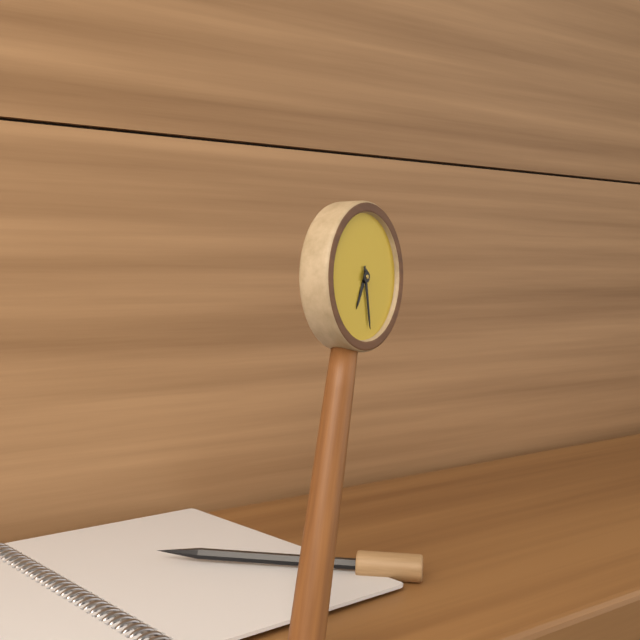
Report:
6h26
